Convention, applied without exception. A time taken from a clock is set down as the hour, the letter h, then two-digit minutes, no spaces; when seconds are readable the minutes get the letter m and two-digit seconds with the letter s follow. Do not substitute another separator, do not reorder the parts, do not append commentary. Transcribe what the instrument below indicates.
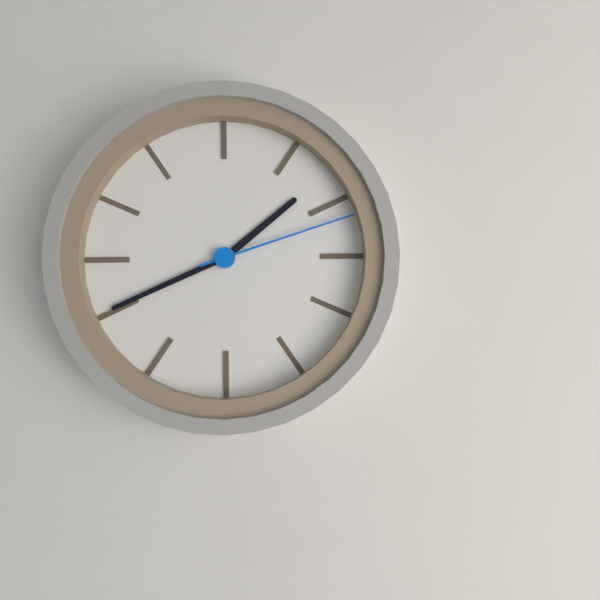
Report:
1h41m12s
